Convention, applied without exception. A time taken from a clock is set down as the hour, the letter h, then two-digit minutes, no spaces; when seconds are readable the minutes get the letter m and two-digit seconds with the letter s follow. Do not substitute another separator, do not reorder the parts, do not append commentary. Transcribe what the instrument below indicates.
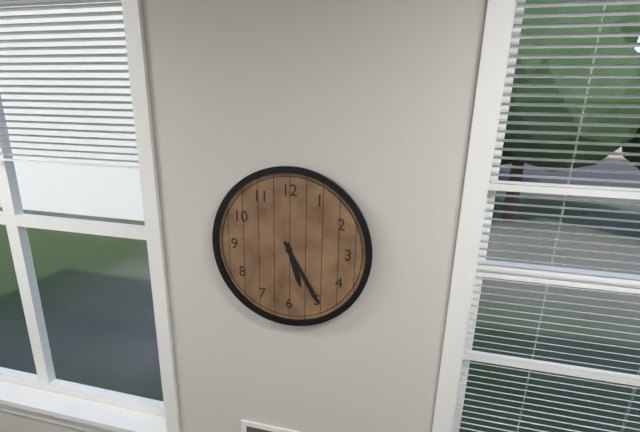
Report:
5h25
